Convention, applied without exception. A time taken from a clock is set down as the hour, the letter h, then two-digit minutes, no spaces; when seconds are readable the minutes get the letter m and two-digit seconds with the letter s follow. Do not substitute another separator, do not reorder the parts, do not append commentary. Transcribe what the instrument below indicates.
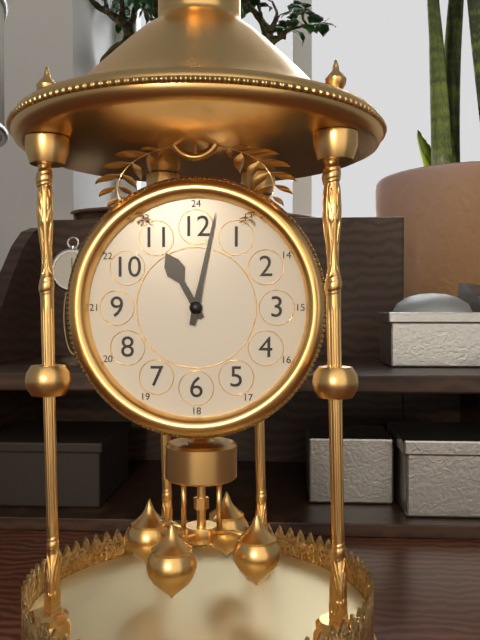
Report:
11h02
